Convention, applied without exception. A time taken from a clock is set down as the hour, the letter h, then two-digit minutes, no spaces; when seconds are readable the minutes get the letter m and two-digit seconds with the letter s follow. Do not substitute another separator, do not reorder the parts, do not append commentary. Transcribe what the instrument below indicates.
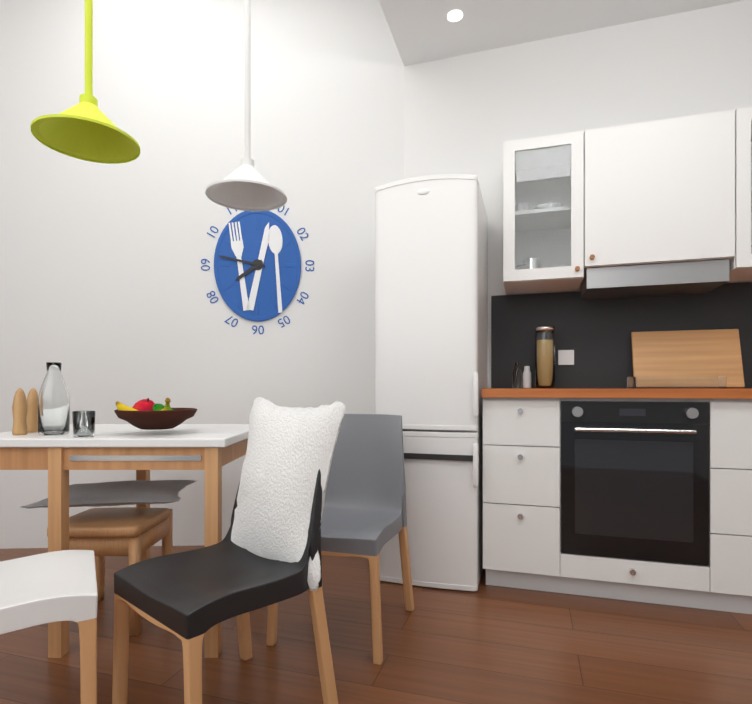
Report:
7h47
